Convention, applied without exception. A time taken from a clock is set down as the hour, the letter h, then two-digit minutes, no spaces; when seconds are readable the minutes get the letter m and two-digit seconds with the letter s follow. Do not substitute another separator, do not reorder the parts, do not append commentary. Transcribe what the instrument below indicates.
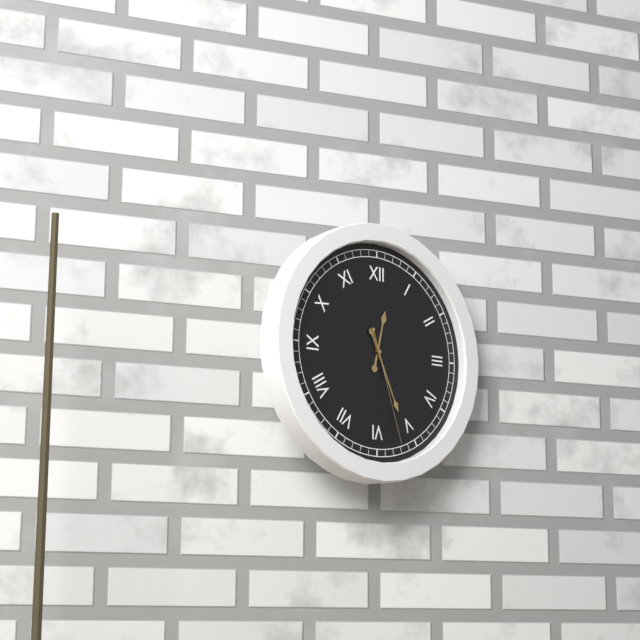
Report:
12h26m27s
